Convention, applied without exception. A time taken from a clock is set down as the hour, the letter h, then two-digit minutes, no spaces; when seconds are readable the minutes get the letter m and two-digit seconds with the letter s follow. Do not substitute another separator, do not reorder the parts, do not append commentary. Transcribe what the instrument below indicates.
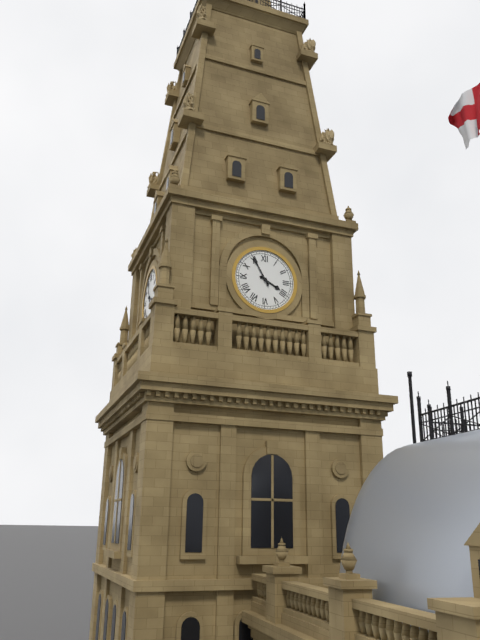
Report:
3h55
